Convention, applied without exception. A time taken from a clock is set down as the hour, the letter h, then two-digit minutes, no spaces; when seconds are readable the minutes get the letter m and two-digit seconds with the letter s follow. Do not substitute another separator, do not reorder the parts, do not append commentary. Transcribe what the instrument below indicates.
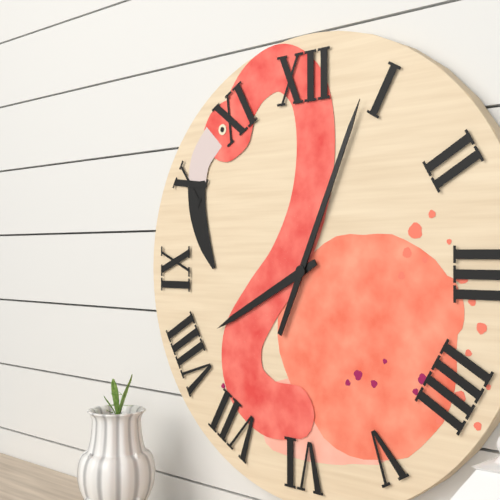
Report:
8h04
